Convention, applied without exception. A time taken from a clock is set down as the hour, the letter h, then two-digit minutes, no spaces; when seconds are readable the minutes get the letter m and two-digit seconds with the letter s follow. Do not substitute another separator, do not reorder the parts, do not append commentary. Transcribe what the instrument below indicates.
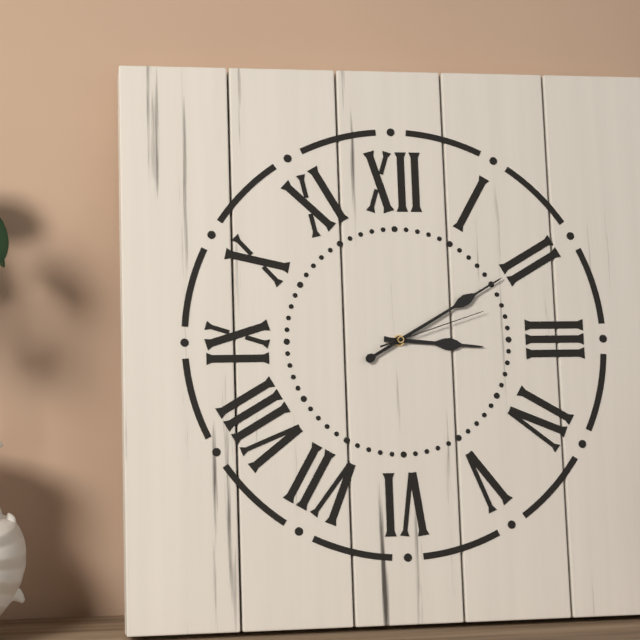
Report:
3h10m12s
